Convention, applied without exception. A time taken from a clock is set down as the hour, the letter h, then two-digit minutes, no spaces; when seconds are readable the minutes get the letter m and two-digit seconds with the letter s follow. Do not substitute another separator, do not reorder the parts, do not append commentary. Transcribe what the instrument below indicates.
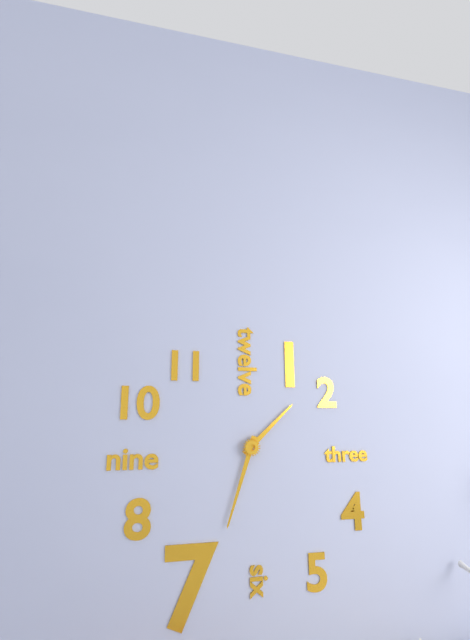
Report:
1h33
